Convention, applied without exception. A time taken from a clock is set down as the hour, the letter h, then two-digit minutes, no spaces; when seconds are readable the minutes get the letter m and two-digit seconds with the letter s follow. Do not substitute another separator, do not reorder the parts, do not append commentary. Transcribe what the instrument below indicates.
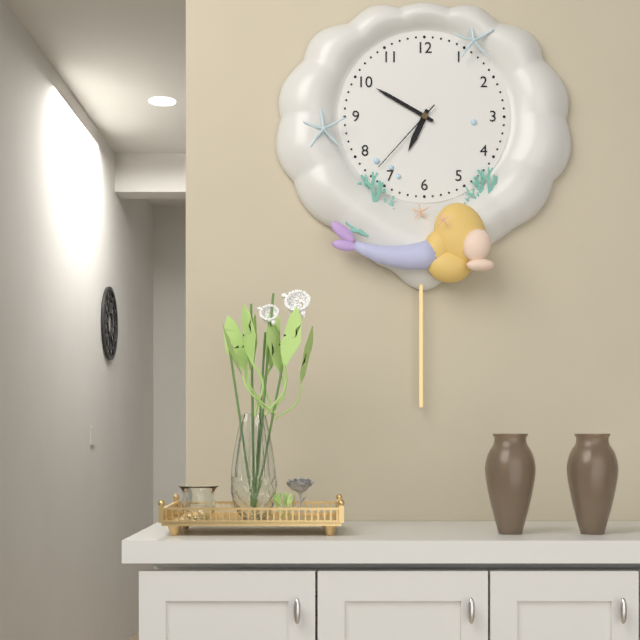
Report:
6h50m37s
